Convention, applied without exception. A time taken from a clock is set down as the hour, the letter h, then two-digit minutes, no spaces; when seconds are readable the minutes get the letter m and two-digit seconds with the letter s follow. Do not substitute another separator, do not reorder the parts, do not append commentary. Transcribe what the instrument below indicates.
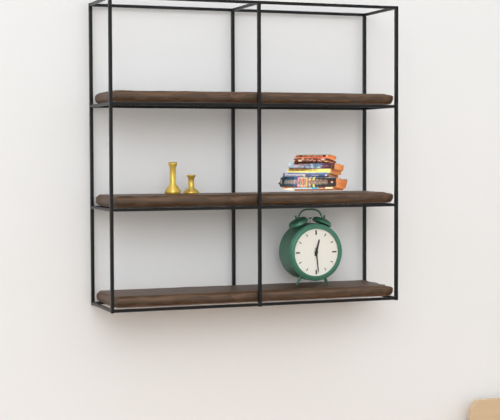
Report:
12h29
